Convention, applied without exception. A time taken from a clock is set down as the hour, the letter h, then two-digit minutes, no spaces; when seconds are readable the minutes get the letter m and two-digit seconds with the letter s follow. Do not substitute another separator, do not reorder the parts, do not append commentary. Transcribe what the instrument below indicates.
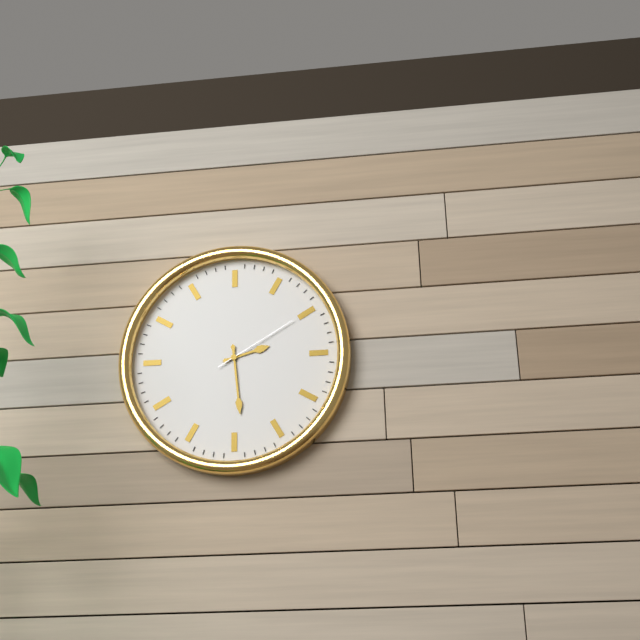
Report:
2h29m10s
